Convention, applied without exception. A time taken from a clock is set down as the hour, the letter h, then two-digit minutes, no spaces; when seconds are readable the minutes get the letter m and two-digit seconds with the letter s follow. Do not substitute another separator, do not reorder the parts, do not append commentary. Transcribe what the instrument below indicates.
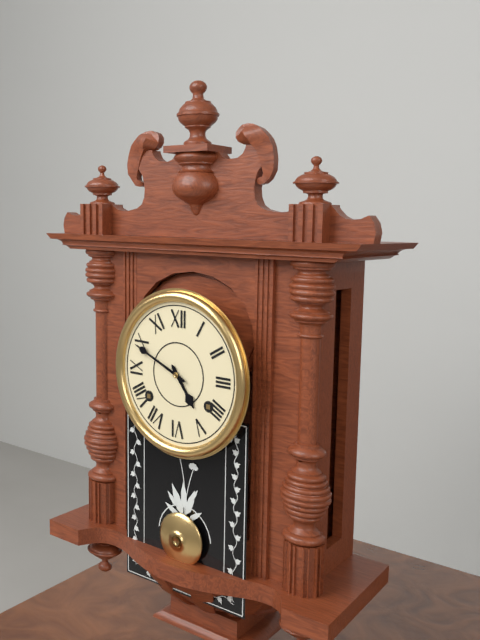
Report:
4h49
